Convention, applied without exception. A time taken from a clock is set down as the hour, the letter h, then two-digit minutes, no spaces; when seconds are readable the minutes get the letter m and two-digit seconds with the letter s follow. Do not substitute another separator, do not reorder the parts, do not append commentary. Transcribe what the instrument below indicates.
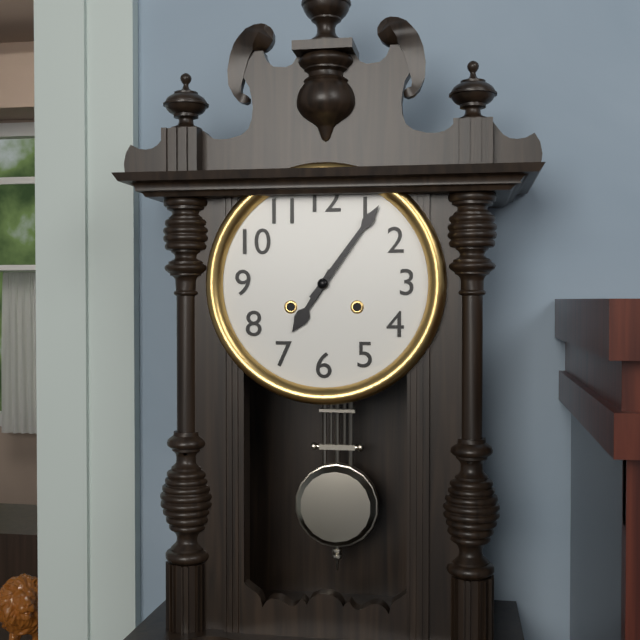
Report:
7h06
